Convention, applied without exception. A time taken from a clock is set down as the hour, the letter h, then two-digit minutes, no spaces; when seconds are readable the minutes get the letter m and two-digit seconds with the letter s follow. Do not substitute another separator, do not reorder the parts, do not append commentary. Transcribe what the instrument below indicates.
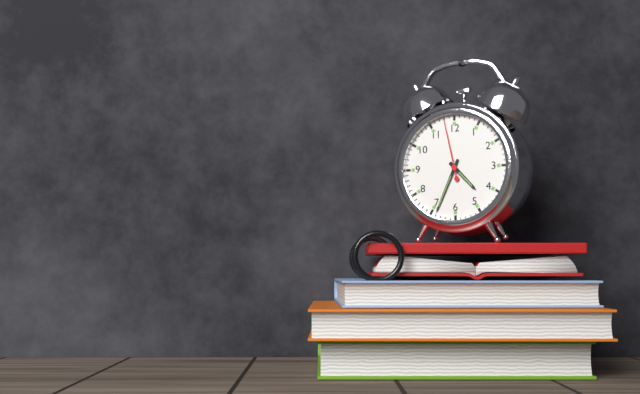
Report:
4h34m58s
